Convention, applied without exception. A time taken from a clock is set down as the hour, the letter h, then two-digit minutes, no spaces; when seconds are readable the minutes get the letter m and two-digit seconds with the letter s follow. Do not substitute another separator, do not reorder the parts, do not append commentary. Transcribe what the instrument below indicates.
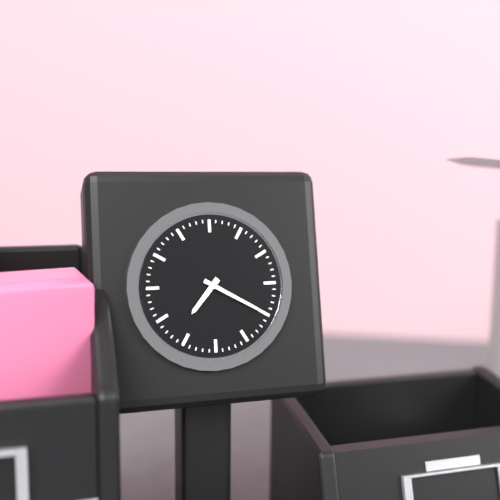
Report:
7h20
